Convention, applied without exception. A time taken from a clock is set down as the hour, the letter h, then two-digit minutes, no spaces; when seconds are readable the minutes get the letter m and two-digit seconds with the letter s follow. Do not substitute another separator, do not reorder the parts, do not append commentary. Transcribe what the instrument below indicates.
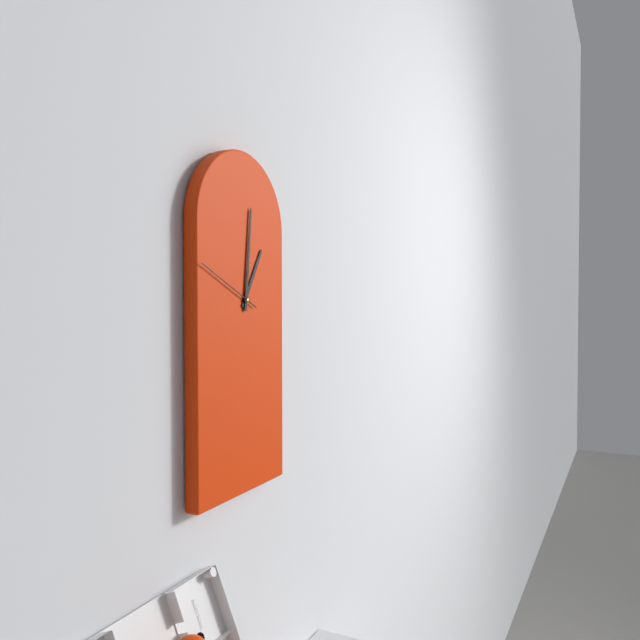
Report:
1h01m49s
